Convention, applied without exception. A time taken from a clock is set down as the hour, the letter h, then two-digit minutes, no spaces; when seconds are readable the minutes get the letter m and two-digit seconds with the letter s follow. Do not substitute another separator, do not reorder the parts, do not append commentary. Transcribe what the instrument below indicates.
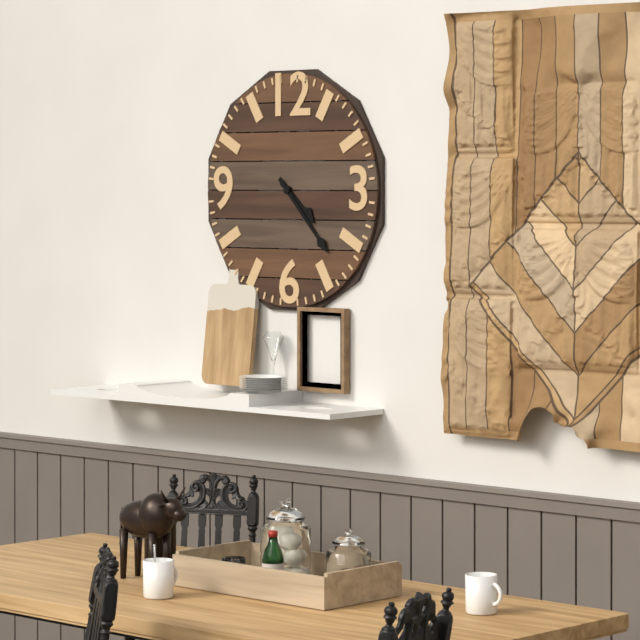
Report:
4h23
